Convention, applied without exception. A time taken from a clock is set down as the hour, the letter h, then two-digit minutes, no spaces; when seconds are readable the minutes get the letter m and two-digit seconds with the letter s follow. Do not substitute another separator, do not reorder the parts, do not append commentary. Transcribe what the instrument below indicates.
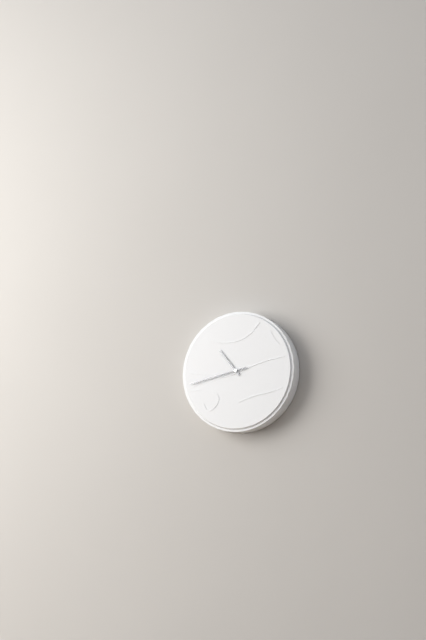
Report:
10h43
